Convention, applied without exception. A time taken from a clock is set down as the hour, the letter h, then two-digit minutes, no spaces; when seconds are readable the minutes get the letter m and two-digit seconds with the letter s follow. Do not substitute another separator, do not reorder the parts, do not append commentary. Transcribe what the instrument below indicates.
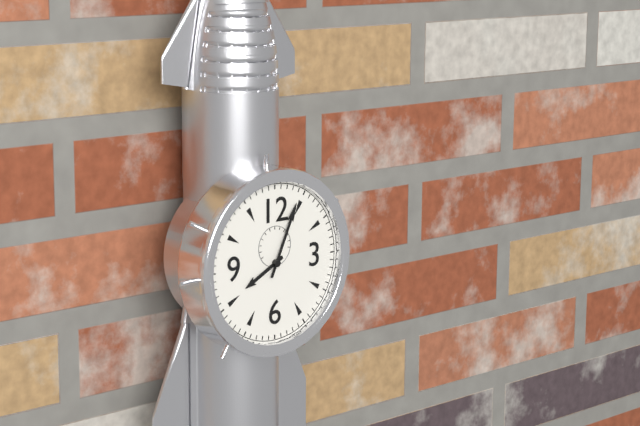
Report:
8h04
